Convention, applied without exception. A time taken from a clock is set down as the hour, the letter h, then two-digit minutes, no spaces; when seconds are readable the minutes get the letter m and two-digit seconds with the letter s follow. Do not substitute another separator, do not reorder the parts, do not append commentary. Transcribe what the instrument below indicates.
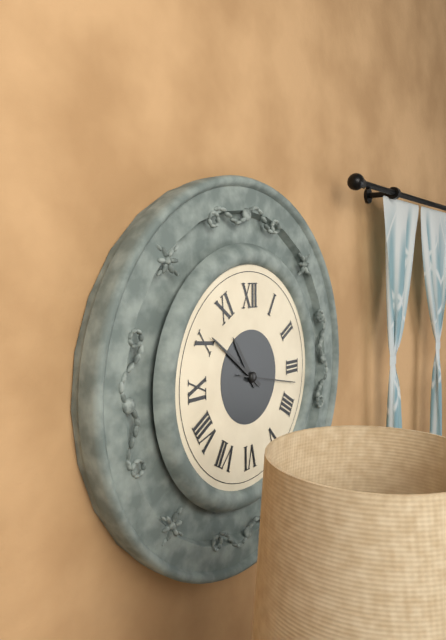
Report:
10h51m17s
